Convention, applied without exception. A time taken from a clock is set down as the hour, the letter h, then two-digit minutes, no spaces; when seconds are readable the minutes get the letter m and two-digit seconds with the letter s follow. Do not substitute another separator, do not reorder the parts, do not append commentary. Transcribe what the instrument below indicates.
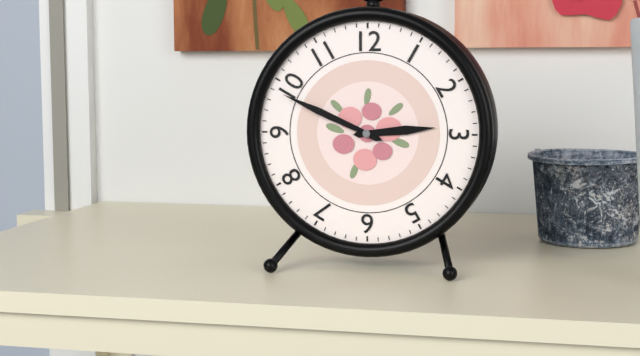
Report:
2h49
